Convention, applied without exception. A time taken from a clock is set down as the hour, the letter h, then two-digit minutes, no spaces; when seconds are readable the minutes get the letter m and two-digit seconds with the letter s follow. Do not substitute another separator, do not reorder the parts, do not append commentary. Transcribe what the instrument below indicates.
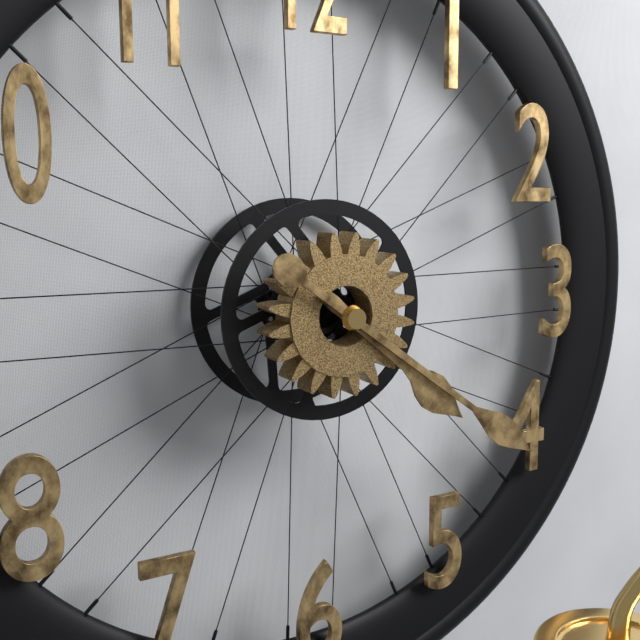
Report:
4h21
